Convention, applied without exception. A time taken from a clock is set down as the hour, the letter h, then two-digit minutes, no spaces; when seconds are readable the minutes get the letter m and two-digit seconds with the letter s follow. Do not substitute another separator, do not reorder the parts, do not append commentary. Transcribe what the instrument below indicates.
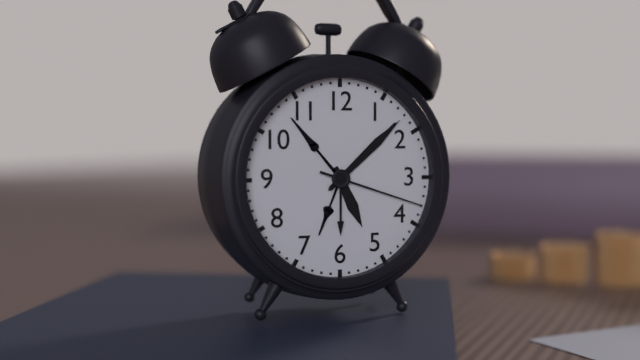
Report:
5h08m18s
